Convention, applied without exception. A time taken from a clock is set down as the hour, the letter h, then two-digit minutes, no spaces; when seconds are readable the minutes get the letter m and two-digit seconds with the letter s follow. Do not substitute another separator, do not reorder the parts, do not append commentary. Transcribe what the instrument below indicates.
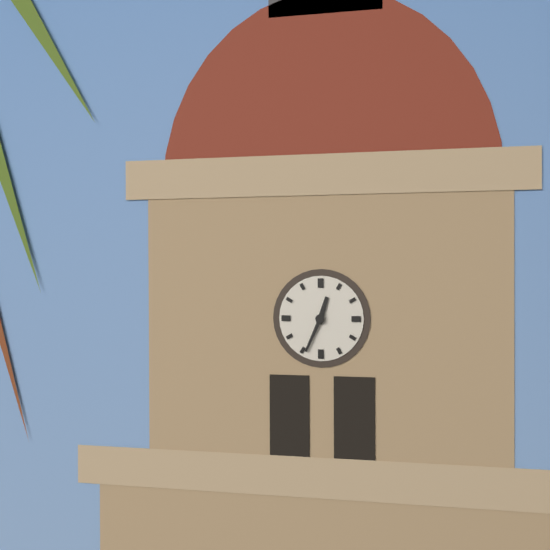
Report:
12h34
